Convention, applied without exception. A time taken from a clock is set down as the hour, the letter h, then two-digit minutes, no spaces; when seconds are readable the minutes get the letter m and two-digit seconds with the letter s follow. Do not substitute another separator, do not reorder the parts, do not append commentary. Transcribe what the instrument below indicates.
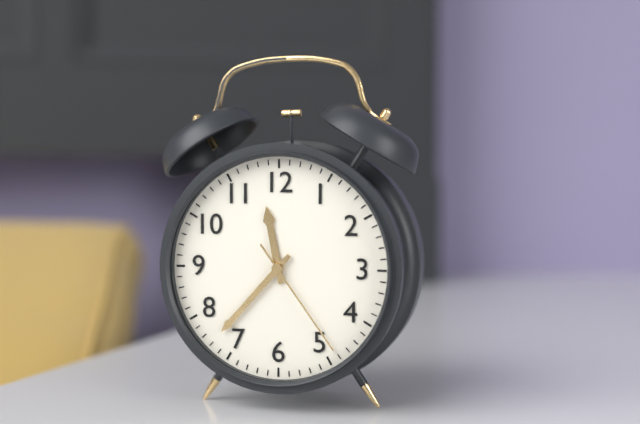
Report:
11h37m24s
